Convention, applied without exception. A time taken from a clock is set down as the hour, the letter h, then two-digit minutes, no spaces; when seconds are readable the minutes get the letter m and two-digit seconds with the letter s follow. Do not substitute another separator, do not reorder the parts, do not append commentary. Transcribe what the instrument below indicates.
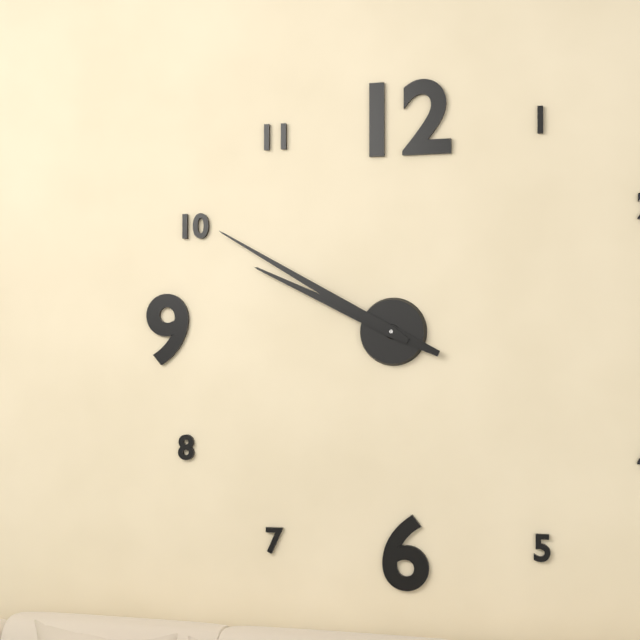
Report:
9h50
